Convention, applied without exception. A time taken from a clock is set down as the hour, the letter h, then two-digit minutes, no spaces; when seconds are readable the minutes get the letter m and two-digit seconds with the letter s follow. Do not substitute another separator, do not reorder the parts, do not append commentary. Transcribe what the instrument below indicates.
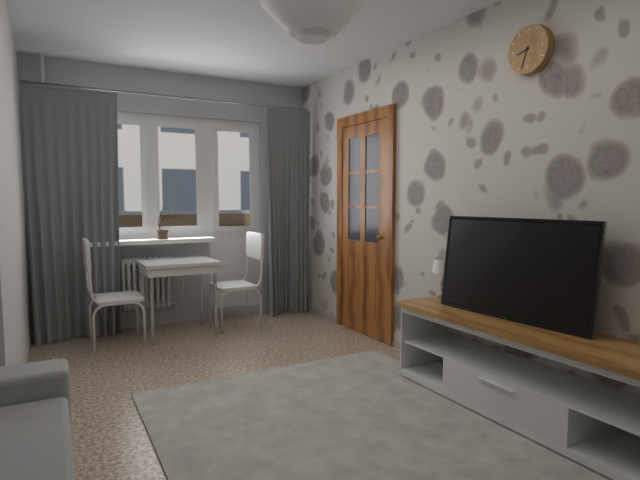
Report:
8h33
